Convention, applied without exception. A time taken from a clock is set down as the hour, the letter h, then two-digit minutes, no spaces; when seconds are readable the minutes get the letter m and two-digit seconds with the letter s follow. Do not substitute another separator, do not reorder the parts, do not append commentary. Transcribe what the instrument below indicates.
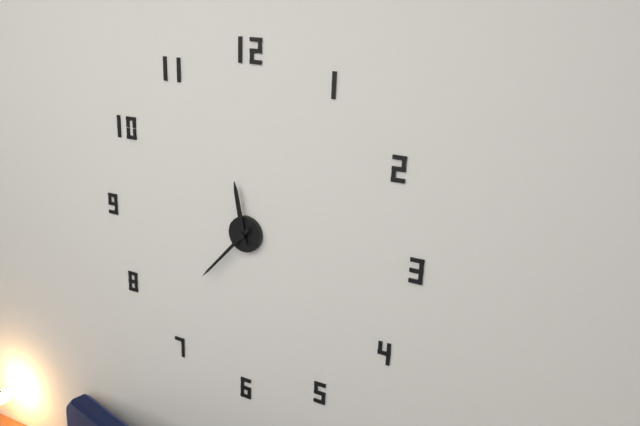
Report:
11h37
